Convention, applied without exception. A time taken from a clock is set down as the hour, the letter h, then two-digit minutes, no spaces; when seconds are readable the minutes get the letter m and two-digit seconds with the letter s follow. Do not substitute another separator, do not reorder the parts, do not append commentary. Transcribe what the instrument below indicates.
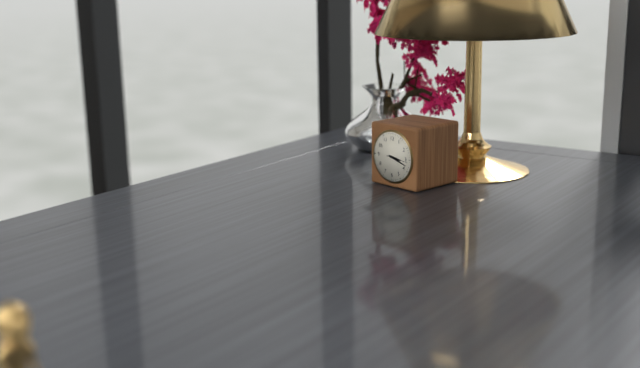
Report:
3h18
